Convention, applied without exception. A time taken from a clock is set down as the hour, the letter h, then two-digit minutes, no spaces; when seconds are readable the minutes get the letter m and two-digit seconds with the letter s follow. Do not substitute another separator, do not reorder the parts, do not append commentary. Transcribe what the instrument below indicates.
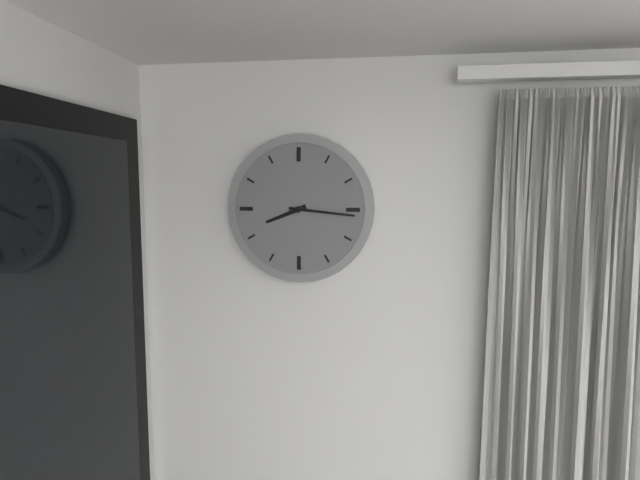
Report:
8h16
